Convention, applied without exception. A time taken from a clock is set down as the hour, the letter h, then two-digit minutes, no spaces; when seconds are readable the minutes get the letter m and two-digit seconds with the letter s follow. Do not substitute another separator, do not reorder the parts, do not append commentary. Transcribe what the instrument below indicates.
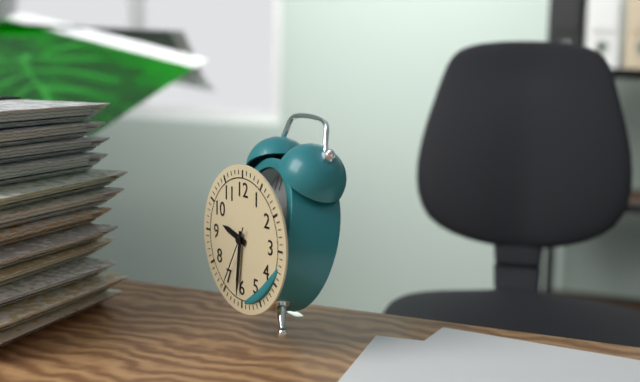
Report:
9h31m35s
